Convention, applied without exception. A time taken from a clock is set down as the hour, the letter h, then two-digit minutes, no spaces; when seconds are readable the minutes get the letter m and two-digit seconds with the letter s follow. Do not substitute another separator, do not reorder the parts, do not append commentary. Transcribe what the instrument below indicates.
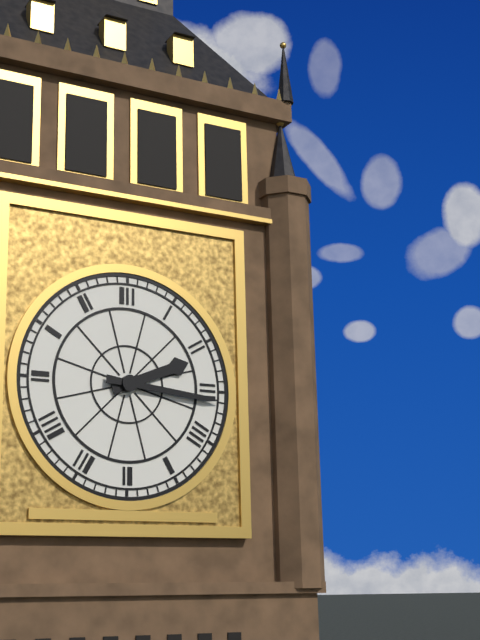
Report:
2h16
